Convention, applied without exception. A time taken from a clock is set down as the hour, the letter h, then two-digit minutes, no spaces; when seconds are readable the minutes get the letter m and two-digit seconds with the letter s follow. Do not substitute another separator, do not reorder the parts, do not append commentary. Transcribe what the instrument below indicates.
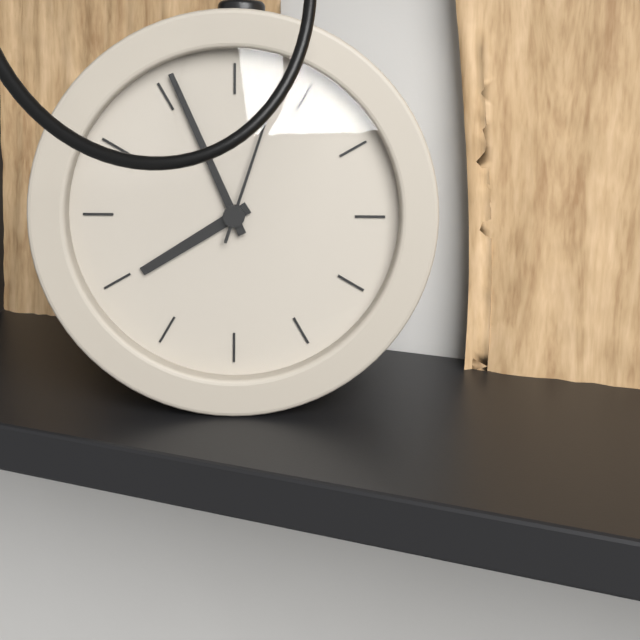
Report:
7h56m03s
